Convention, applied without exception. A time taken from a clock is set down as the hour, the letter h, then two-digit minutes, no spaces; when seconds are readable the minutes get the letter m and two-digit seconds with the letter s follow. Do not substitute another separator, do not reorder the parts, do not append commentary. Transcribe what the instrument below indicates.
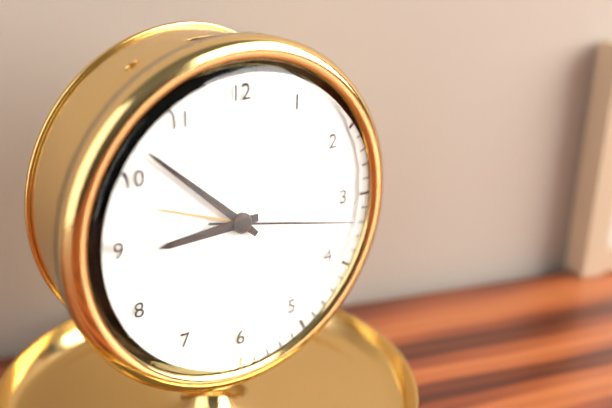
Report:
8h52m17s
